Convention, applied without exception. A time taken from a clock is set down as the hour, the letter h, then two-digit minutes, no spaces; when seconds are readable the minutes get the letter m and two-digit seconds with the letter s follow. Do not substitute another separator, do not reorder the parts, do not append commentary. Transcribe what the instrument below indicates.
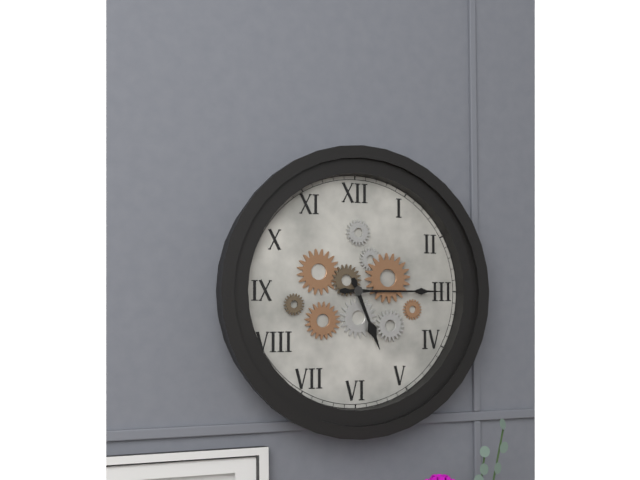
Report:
5h15
